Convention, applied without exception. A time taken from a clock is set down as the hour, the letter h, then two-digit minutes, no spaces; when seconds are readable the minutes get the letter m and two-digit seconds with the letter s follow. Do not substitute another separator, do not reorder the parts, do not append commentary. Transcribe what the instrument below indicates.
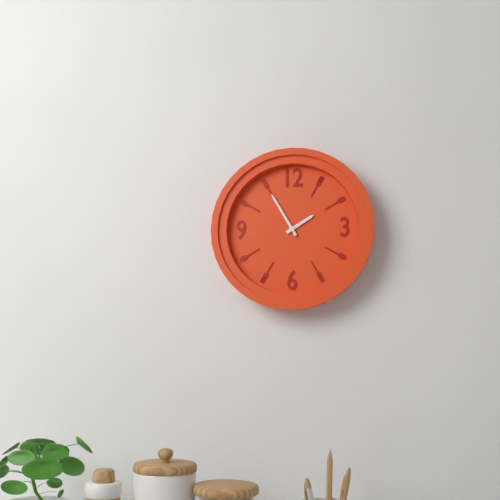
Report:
1h55
